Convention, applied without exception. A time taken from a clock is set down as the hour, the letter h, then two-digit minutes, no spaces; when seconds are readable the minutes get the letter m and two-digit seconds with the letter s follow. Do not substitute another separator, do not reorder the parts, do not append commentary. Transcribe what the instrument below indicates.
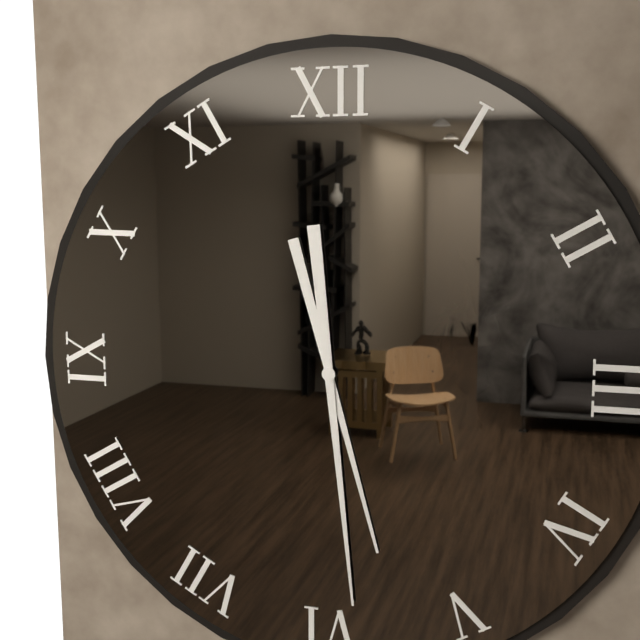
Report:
5h29
